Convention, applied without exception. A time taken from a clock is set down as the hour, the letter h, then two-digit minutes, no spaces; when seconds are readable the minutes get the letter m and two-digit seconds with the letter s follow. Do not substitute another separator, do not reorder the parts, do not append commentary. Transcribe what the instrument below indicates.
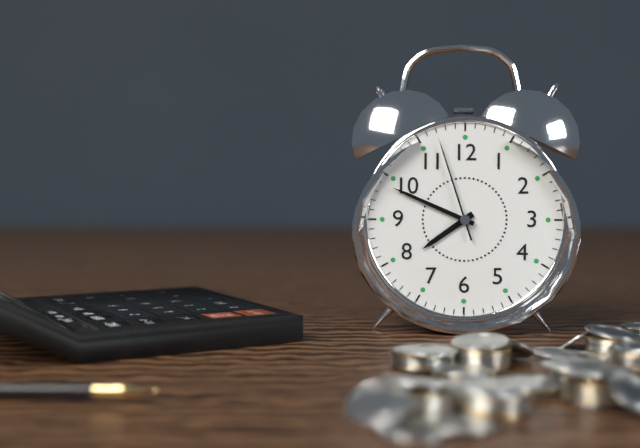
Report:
7h49m57s
